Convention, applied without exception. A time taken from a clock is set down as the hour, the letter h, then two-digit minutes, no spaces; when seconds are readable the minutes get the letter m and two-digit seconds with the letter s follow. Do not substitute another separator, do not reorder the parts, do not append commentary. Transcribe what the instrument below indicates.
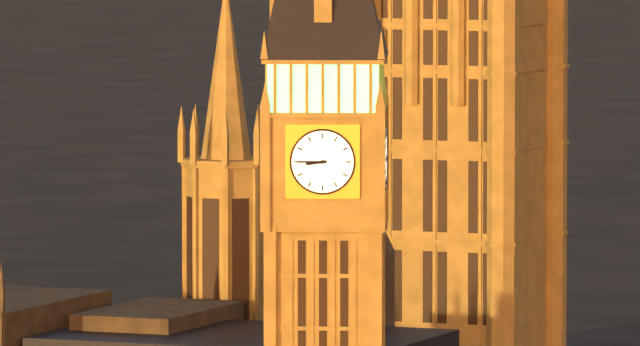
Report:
8h45
